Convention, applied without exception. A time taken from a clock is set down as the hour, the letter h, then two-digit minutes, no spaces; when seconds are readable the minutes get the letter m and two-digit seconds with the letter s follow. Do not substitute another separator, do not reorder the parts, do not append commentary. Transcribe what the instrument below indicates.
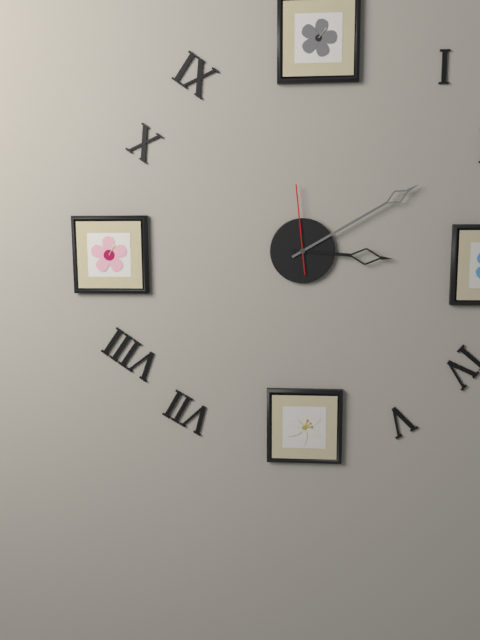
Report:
3h10m59s
